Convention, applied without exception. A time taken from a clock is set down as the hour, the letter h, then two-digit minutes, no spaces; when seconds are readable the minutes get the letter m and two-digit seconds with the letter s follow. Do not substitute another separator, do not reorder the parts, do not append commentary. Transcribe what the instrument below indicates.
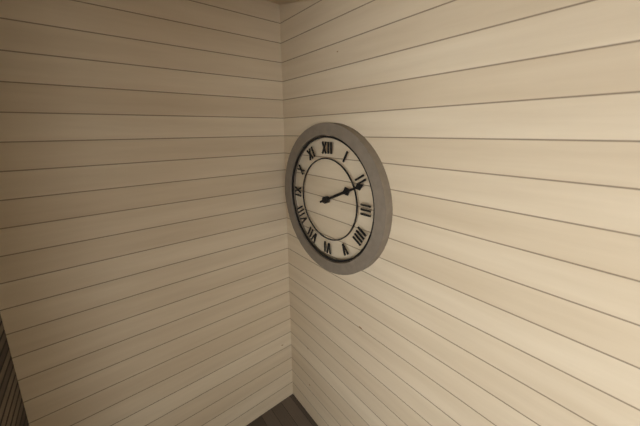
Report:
2h11
